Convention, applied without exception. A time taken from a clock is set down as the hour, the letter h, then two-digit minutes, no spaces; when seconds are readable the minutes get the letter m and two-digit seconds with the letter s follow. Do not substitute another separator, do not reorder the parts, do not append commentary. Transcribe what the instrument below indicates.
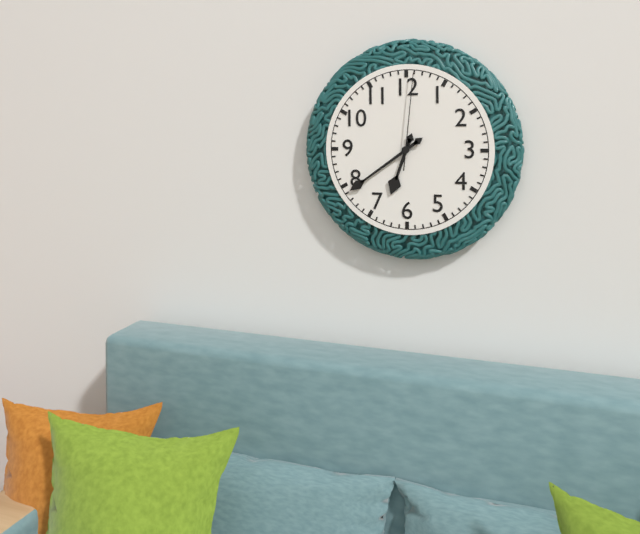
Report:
6h39m01s
